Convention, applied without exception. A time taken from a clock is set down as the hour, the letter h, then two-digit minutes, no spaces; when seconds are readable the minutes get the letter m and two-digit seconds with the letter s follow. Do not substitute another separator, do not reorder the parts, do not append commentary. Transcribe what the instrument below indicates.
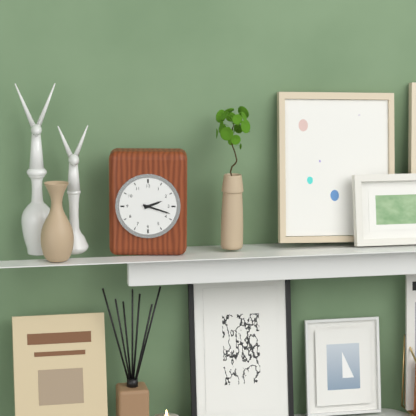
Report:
2h18
